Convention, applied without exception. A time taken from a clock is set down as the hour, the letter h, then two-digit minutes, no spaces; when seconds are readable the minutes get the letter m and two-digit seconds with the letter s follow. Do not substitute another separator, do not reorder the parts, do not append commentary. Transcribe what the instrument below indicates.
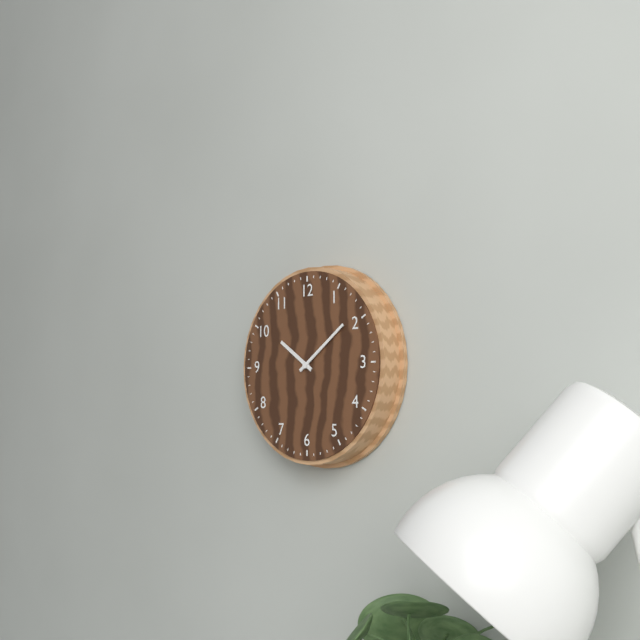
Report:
10h09
